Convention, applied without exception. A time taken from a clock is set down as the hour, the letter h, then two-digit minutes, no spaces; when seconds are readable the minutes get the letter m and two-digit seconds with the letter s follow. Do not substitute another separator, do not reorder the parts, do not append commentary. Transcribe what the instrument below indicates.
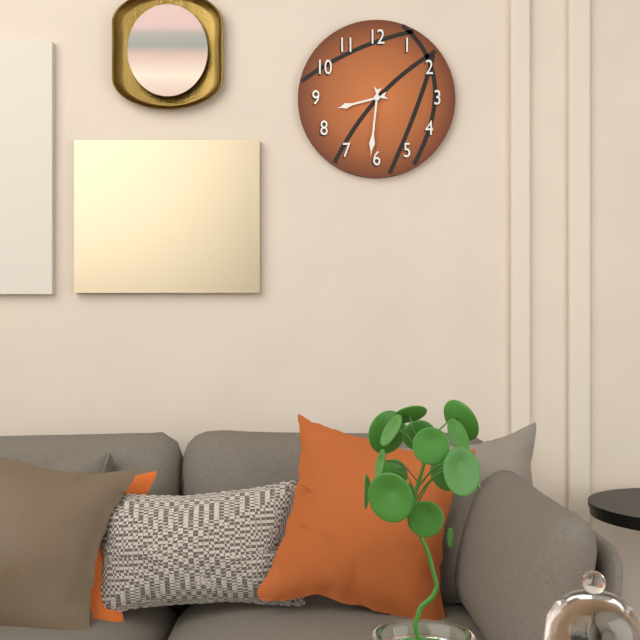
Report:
8h31
